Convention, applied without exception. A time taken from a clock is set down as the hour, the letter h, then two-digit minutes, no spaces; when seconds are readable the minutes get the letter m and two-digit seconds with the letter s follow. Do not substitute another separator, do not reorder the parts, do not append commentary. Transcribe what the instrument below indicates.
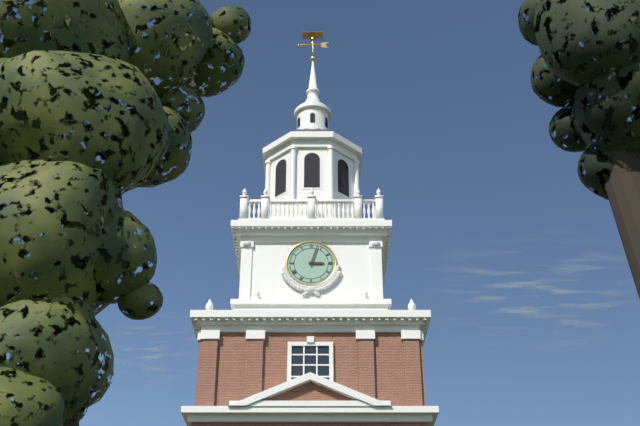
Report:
3h03
